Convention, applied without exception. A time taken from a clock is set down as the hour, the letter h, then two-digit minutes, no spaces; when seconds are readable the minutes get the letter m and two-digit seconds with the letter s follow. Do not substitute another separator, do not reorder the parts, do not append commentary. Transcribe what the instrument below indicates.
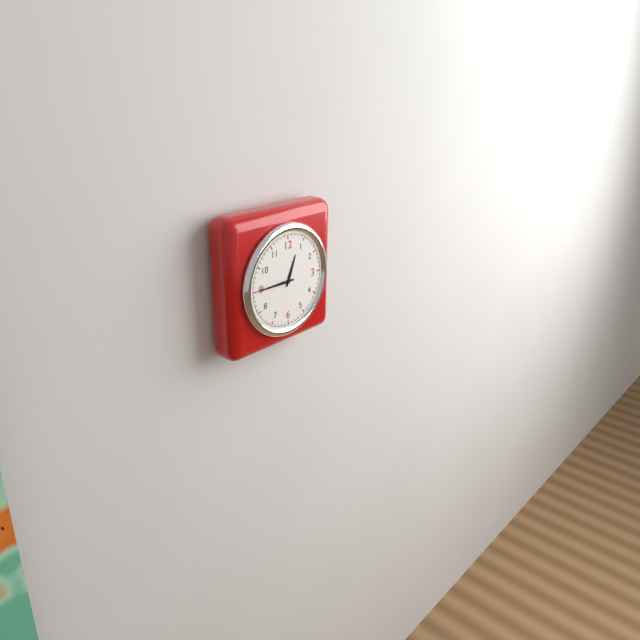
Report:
12h45
